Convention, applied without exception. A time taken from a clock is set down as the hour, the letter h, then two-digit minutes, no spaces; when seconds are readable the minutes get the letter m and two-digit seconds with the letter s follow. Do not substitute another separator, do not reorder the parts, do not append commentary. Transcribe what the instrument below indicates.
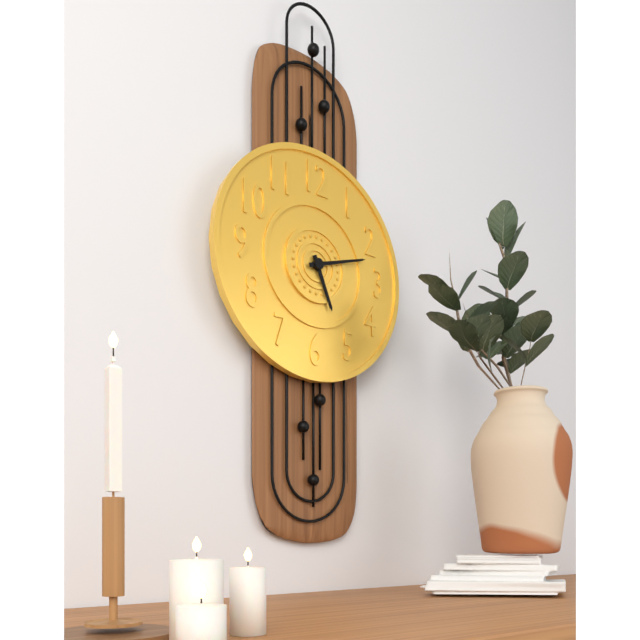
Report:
5h12
